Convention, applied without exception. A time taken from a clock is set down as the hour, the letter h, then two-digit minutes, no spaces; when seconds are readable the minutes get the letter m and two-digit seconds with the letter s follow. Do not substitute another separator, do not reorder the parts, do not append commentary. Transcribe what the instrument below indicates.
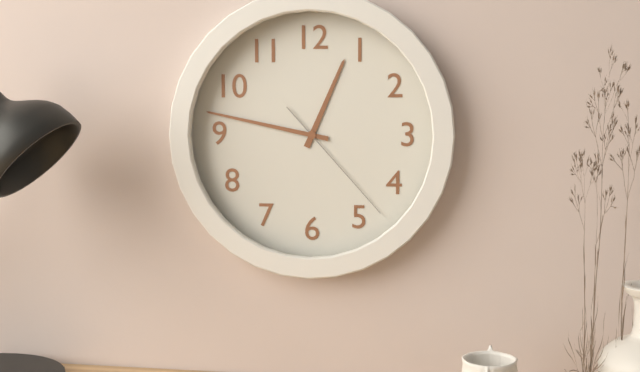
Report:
12h47m23s
